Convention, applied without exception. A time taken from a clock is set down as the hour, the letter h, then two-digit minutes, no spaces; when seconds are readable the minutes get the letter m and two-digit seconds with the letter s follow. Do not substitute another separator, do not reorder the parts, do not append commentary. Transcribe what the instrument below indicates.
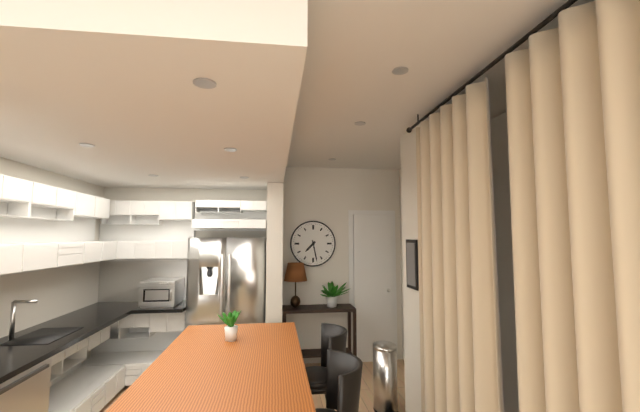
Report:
7h28
